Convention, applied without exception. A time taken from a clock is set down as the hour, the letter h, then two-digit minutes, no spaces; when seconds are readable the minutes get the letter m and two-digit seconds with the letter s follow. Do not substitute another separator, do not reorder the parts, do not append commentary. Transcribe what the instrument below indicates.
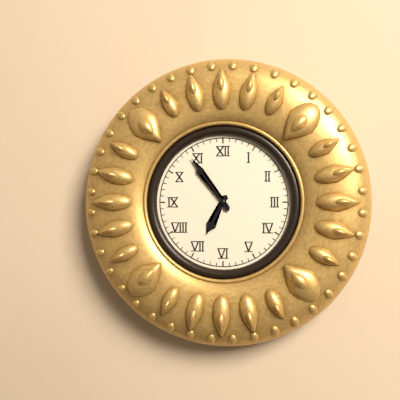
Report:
6h54
